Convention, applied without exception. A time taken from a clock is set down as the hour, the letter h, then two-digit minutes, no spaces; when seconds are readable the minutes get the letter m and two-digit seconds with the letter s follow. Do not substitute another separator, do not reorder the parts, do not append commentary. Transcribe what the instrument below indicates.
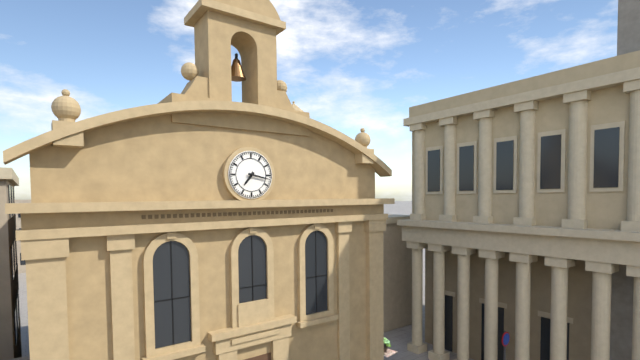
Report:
7h17
